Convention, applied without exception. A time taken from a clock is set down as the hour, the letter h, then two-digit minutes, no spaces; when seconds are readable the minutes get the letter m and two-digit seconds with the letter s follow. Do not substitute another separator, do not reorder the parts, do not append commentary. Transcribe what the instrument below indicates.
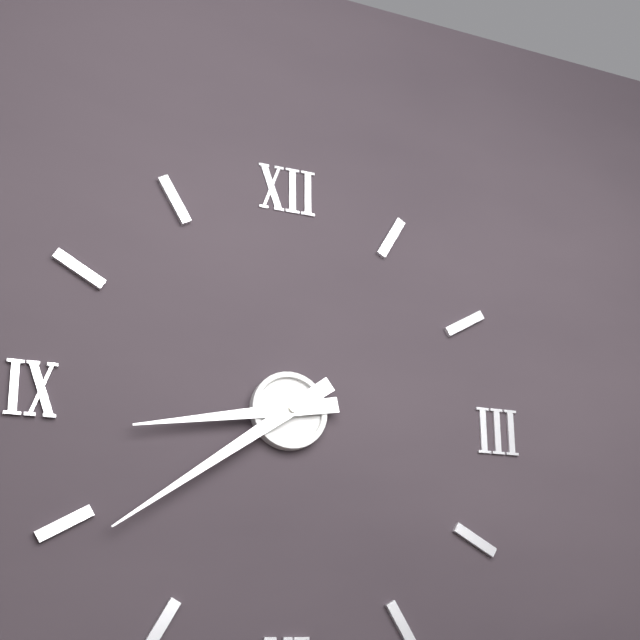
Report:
8h39
